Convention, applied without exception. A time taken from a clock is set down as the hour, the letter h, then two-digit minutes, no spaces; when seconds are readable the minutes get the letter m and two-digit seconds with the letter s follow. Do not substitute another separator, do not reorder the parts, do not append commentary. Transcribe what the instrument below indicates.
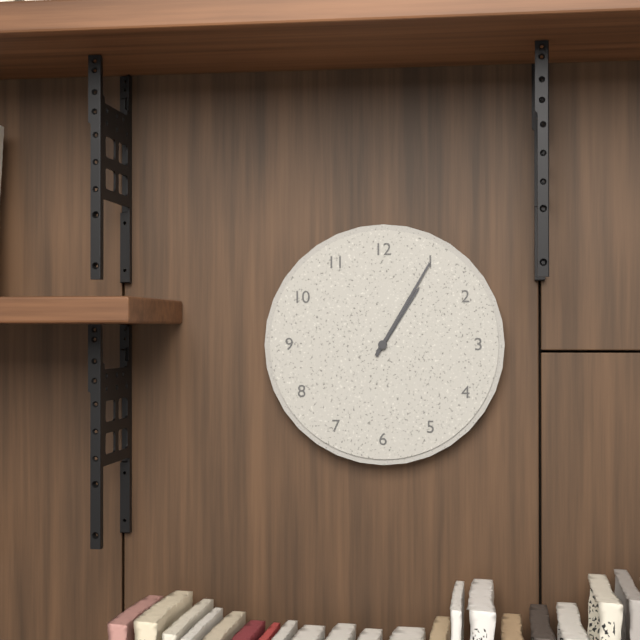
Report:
1h05
